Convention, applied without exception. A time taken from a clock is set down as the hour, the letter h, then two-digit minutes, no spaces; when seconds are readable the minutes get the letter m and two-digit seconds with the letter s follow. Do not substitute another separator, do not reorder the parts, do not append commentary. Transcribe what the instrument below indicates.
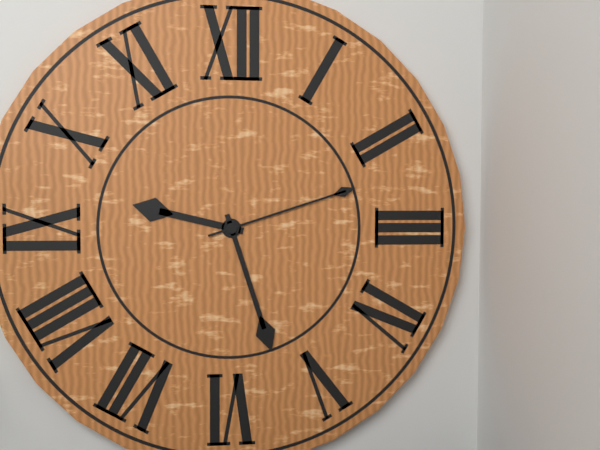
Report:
9h27m12s
